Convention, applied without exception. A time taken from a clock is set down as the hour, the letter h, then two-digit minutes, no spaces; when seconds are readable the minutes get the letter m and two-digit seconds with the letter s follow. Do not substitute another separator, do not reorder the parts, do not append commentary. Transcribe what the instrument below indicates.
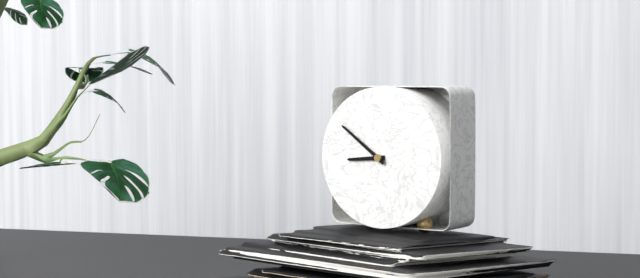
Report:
8h51
